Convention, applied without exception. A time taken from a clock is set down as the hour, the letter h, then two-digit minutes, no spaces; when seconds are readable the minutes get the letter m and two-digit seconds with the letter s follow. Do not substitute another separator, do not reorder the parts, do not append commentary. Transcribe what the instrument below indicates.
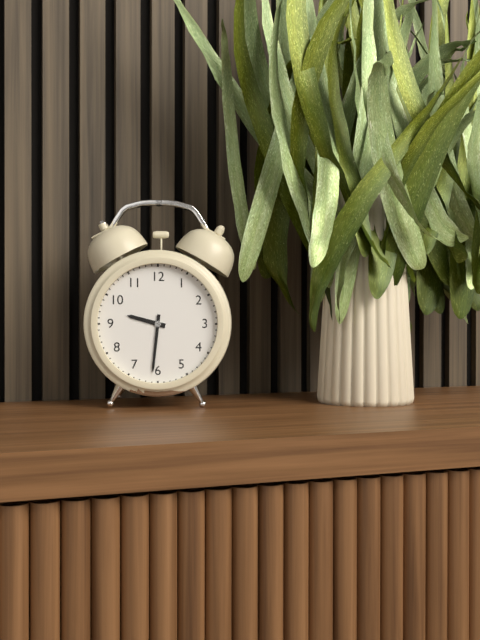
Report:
9h31
